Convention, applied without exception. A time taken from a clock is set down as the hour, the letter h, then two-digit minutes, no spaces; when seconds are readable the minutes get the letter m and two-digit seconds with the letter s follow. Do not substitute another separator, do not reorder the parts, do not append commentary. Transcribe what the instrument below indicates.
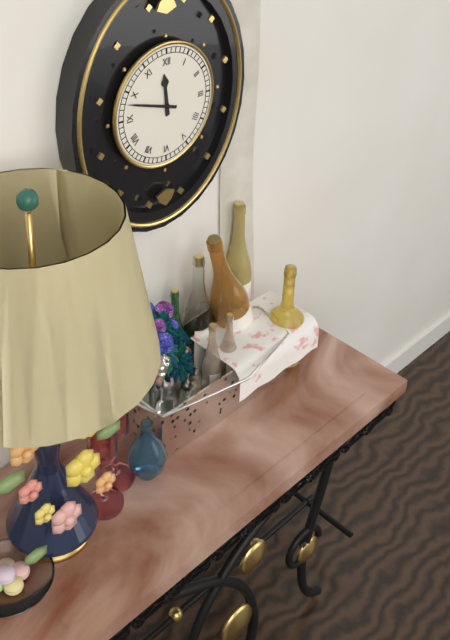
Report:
11h48
